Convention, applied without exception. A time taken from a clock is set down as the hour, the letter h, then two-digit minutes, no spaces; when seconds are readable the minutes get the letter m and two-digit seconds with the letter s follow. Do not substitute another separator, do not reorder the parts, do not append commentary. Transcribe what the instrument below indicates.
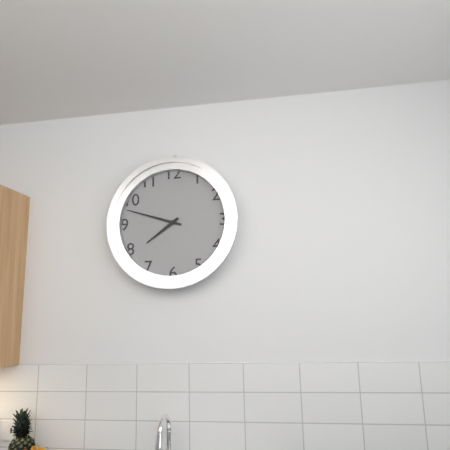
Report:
7h48
